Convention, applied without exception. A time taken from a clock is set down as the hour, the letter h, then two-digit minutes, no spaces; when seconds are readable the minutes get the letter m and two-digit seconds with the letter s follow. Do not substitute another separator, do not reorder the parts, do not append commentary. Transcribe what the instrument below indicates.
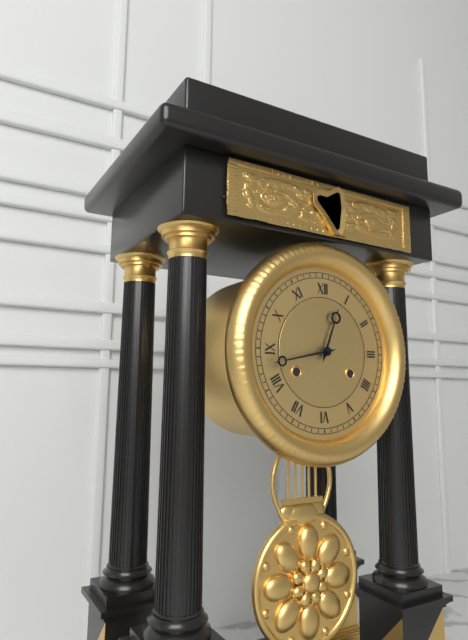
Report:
12h43
